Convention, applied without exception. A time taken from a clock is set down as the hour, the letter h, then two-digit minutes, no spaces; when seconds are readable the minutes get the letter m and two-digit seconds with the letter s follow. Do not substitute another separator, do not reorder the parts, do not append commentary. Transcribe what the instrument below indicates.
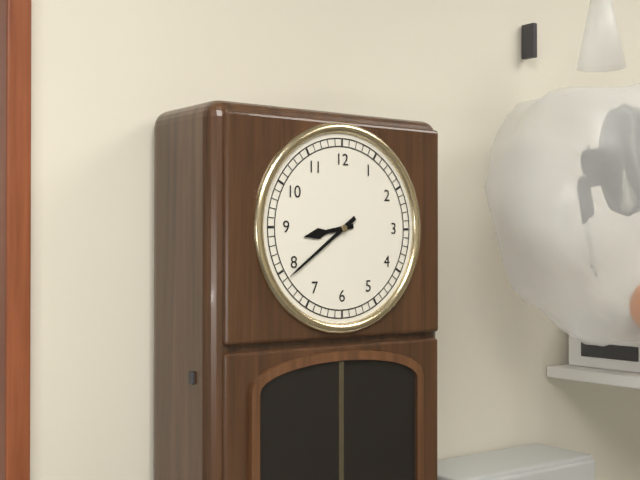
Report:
8h39
